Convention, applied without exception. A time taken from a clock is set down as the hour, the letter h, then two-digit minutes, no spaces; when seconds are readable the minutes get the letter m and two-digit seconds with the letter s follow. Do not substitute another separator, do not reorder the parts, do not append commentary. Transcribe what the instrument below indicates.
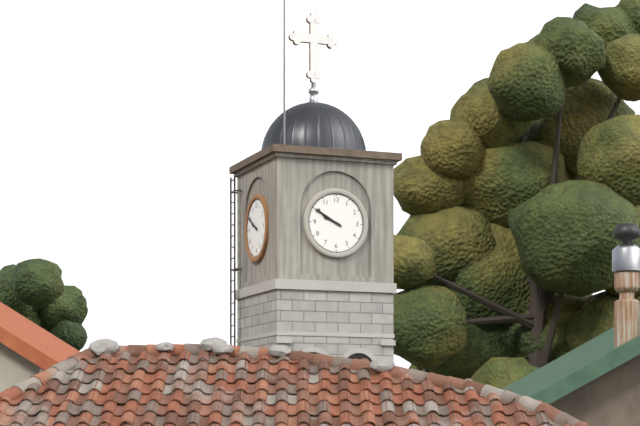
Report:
9h50
